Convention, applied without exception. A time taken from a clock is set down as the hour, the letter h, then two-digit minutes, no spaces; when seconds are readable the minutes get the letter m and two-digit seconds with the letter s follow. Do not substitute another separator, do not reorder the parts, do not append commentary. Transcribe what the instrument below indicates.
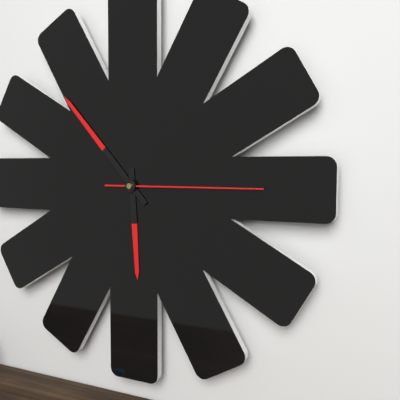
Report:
5h53m15s
